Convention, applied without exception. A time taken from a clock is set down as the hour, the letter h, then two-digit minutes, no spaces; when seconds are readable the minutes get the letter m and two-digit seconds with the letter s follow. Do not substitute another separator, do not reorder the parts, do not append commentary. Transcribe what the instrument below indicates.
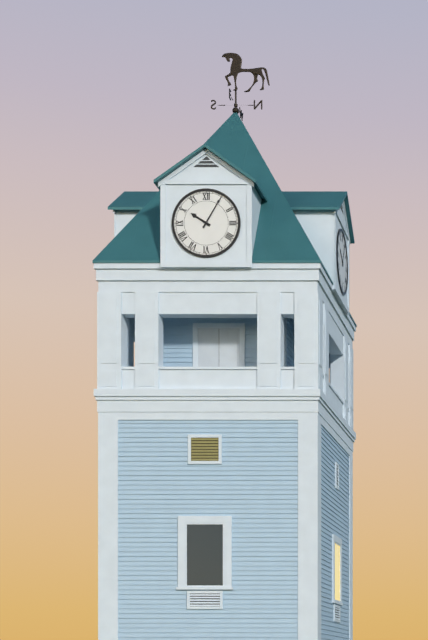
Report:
10h05
